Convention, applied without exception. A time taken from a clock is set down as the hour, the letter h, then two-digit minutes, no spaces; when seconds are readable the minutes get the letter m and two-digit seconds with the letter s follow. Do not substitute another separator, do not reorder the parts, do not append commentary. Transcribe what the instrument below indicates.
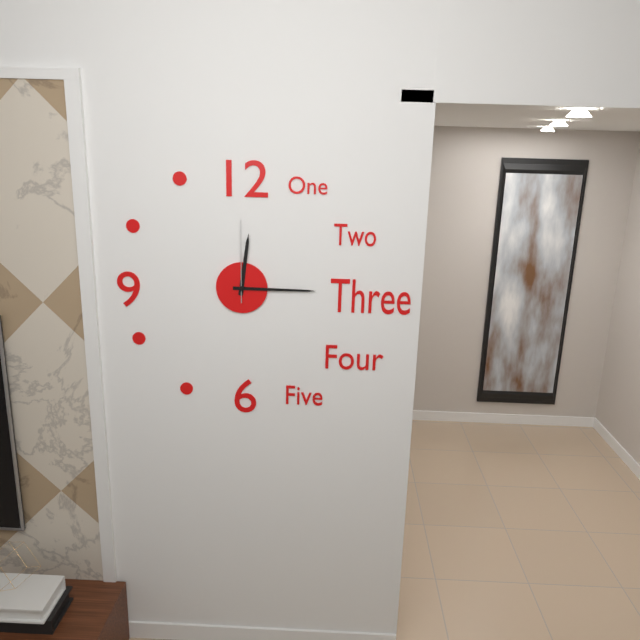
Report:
12h15m00s
